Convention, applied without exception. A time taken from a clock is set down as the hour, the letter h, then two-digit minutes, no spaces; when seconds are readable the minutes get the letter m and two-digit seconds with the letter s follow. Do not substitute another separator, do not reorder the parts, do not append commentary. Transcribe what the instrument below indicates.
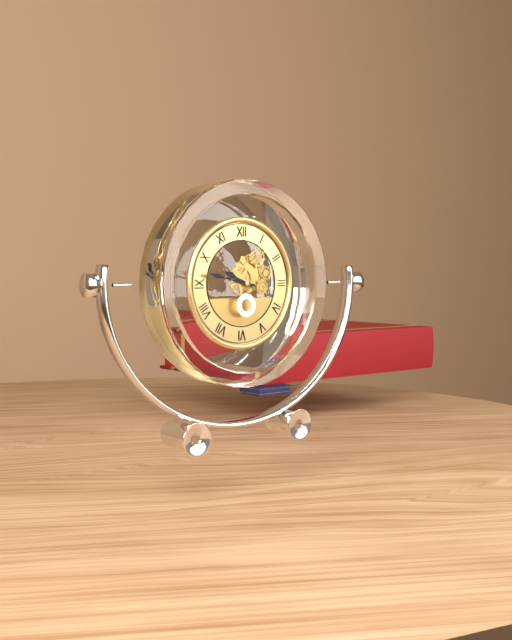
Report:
9h47
